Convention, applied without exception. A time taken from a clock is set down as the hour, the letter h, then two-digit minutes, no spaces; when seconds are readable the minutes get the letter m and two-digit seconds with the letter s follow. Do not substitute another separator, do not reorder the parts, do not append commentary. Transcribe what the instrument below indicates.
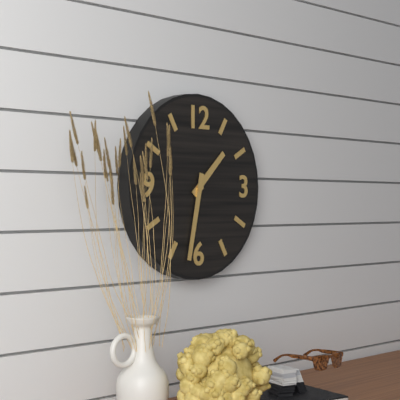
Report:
1h32
